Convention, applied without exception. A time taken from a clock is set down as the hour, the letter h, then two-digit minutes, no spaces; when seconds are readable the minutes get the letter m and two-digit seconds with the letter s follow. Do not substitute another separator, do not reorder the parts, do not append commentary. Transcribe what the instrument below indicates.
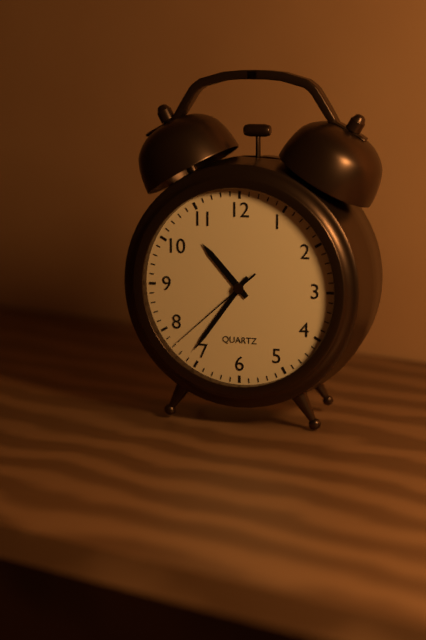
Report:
10h36m38s
